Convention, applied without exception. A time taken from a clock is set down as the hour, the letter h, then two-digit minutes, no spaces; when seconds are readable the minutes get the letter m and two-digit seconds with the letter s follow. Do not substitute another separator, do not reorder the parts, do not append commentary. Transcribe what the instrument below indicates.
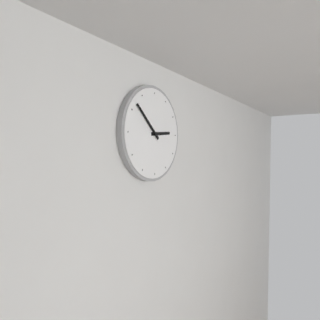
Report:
2h52
